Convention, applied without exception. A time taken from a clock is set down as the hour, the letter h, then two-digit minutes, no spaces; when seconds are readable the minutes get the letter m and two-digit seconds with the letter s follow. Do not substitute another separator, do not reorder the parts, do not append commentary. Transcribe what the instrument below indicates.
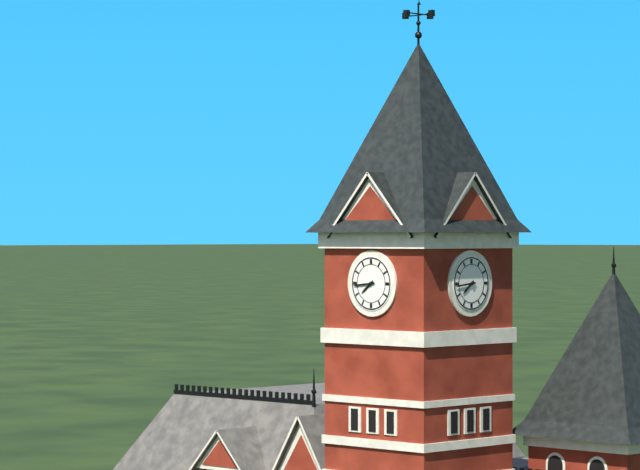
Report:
7h44
